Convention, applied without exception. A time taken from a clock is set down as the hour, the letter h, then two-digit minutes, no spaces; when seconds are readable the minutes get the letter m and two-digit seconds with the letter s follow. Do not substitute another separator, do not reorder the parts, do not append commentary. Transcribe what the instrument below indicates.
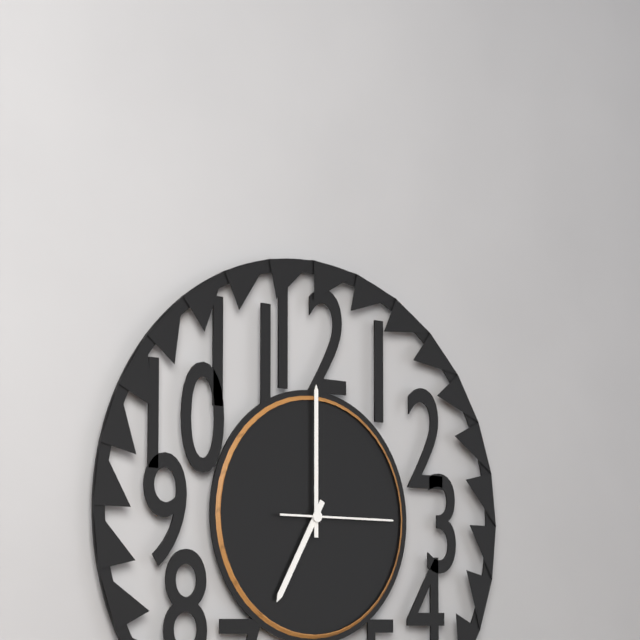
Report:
7h00m15s
